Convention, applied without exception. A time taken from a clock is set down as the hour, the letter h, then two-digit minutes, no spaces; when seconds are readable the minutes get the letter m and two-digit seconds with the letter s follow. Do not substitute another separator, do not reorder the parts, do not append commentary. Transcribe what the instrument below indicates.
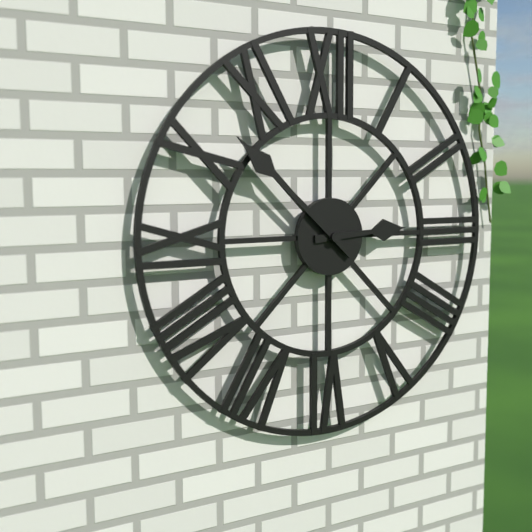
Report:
2h52
